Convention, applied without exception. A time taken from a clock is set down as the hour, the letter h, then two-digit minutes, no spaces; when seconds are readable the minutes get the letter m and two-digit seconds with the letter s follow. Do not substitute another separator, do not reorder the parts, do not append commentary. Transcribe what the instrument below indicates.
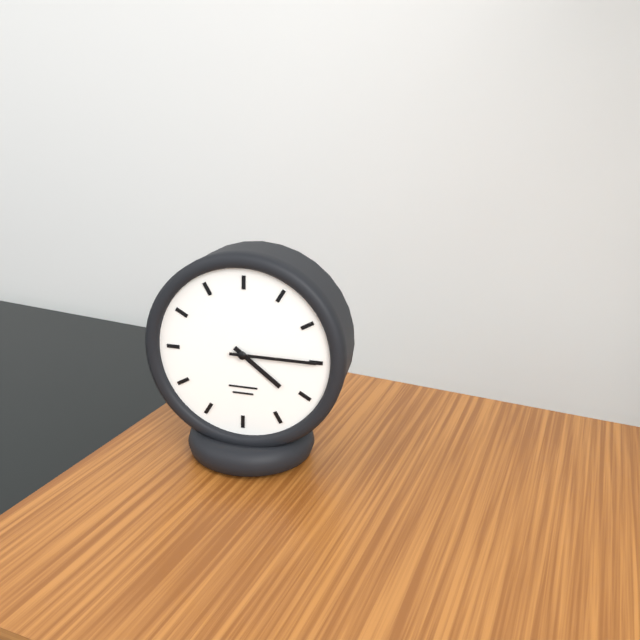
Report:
4h15
